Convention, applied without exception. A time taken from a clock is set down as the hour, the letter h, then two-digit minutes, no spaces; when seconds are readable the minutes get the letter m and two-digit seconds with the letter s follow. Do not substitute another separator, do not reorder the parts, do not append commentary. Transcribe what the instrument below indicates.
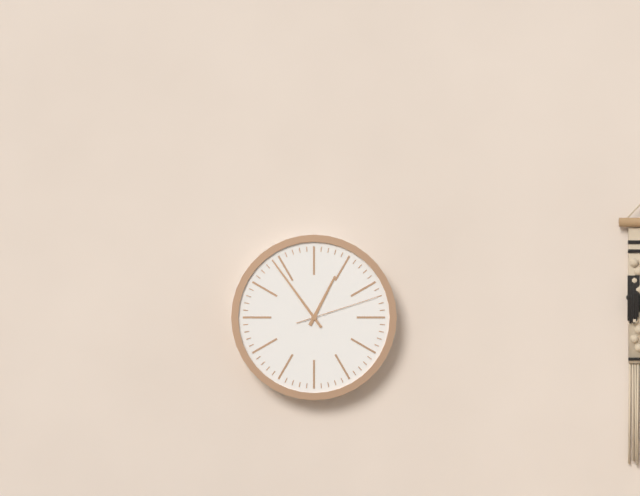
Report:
12h54m12s
